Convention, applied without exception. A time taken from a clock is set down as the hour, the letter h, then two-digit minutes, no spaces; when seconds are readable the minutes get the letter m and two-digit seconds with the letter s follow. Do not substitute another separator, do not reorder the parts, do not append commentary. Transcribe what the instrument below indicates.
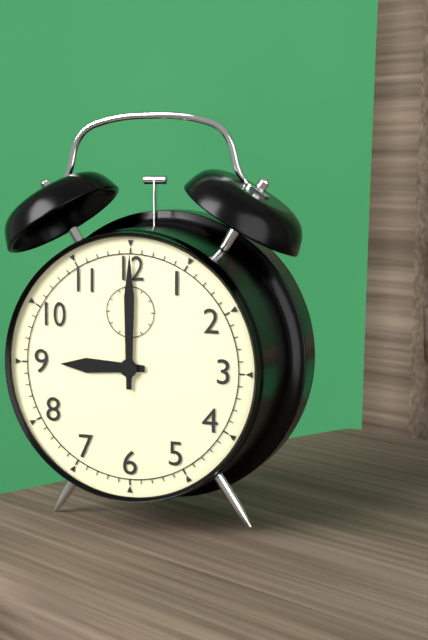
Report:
9h00
